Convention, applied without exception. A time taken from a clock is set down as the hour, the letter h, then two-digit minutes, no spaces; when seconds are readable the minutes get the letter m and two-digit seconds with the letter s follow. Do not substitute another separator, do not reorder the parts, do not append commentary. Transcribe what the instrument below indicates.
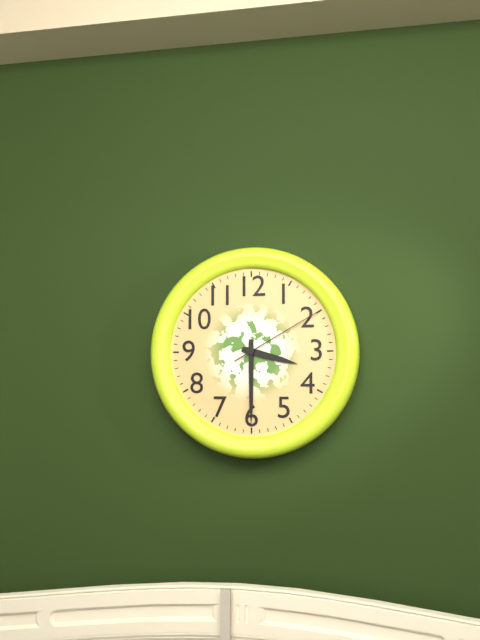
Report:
3h30m10s
